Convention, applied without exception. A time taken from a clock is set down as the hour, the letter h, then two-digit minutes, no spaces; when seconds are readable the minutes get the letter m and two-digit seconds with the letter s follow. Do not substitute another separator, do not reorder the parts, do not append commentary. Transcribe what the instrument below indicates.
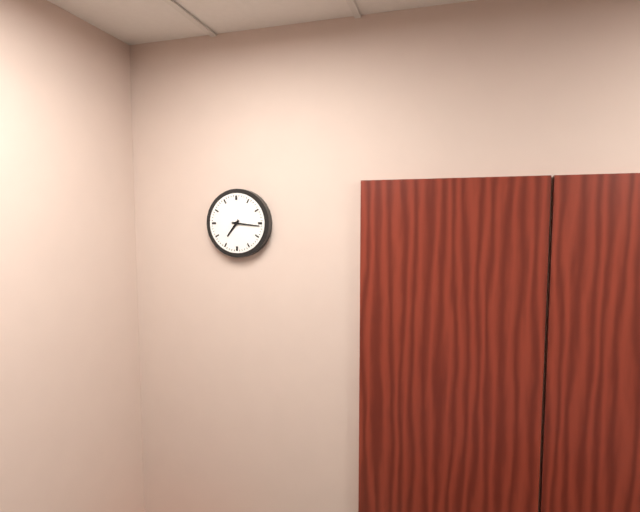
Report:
7h16
